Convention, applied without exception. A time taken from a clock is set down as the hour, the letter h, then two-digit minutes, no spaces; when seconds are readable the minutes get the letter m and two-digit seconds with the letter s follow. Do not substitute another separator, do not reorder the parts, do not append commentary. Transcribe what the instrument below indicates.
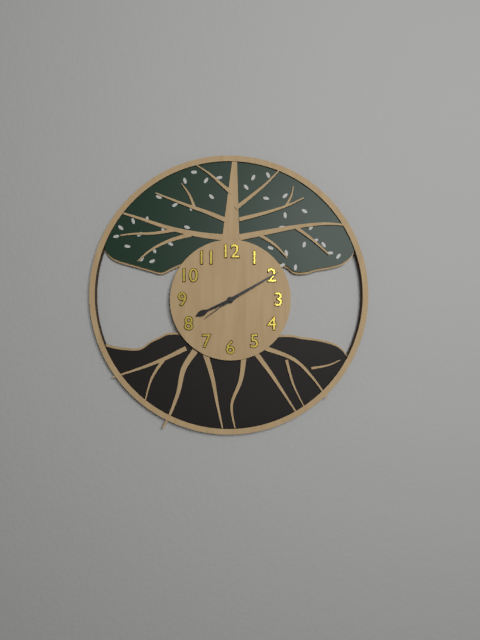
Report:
8h10
